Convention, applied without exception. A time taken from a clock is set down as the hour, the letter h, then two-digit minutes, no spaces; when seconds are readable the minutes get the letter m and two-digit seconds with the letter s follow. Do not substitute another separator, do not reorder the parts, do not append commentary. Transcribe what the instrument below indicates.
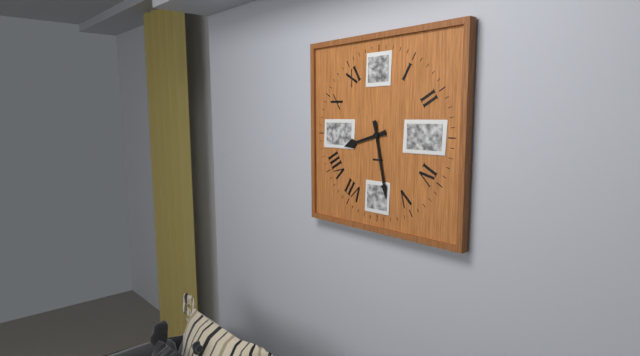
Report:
8h28
